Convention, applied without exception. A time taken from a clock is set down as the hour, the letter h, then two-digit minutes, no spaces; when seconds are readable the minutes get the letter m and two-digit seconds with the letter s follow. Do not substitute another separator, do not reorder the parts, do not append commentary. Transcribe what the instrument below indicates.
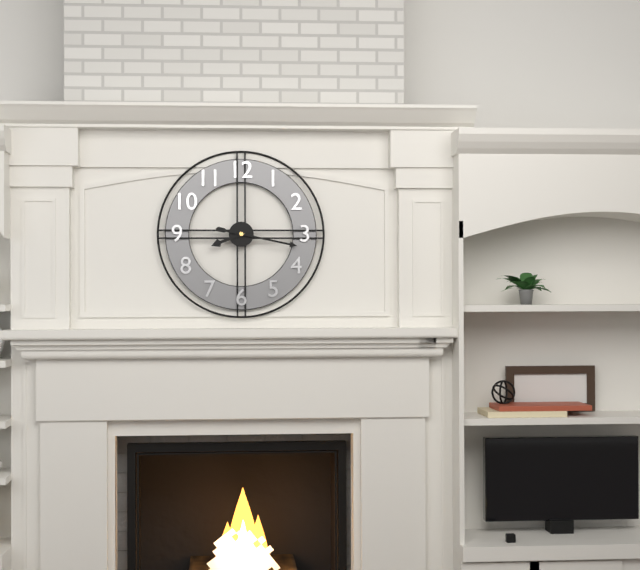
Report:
8h17
